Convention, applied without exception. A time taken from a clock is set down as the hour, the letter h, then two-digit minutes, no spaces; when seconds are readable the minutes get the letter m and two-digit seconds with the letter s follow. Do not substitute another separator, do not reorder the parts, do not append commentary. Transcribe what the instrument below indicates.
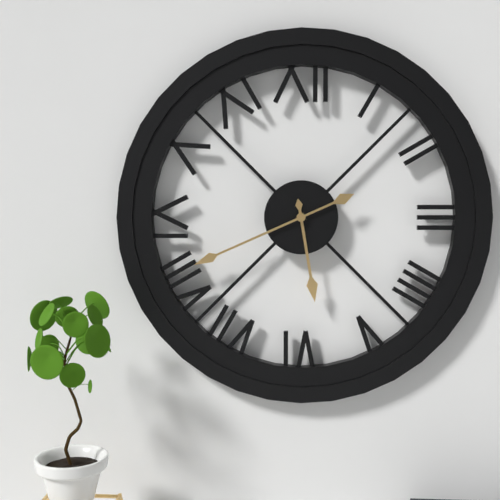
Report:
5h41
